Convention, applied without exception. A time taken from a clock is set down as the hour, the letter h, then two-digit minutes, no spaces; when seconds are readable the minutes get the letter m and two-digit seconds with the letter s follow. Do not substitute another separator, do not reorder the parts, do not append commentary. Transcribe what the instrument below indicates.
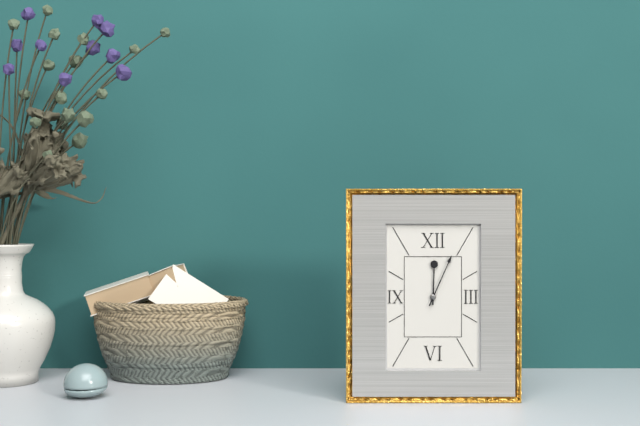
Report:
12h04
